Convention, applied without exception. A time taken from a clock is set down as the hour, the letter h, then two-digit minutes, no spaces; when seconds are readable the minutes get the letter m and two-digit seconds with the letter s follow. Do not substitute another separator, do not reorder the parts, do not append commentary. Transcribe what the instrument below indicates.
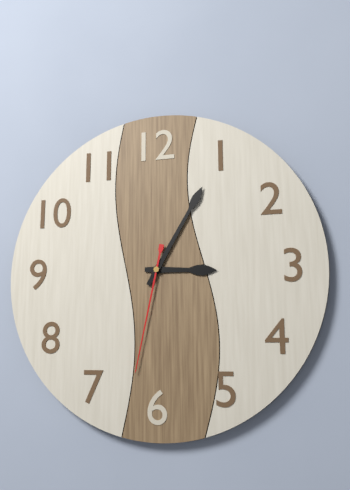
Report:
3h05m32s
